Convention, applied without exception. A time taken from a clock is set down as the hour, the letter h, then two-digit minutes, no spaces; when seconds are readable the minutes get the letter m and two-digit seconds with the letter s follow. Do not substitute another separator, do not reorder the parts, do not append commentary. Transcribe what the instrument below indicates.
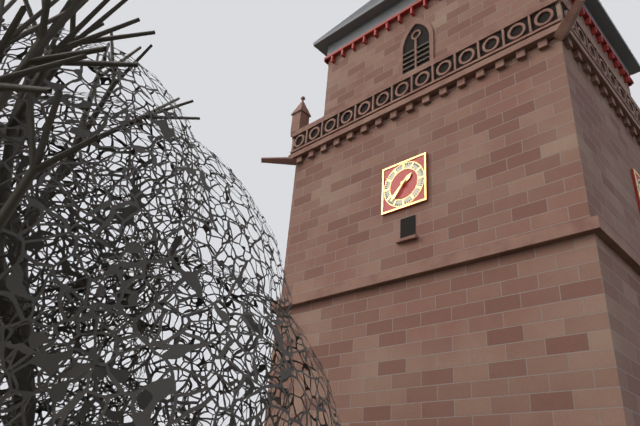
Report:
1h37
